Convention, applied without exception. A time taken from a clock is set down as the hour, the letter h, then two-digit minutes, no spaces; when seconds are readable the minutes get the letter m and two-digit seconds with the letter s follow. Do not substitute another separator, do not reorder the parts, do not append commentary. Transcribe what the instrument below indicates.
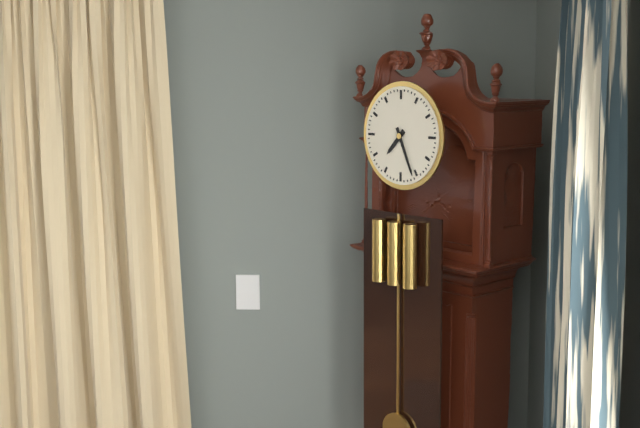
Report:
7h26
